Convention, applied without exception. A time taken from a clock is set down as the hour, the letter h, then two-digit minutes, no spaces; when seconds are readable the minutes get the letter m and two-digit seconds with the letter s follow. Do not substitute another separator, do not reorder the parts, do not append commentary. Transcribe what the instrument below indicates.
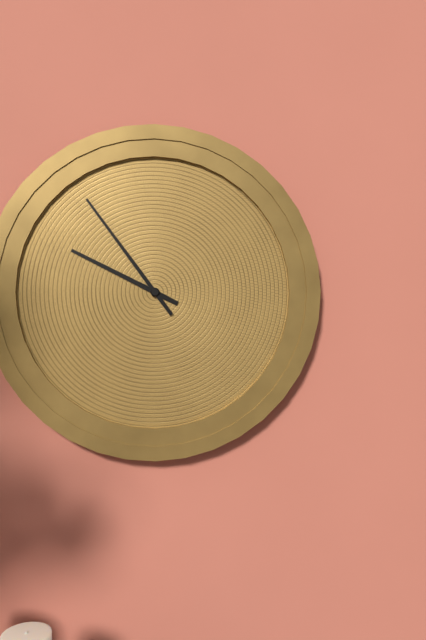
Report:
9h54
